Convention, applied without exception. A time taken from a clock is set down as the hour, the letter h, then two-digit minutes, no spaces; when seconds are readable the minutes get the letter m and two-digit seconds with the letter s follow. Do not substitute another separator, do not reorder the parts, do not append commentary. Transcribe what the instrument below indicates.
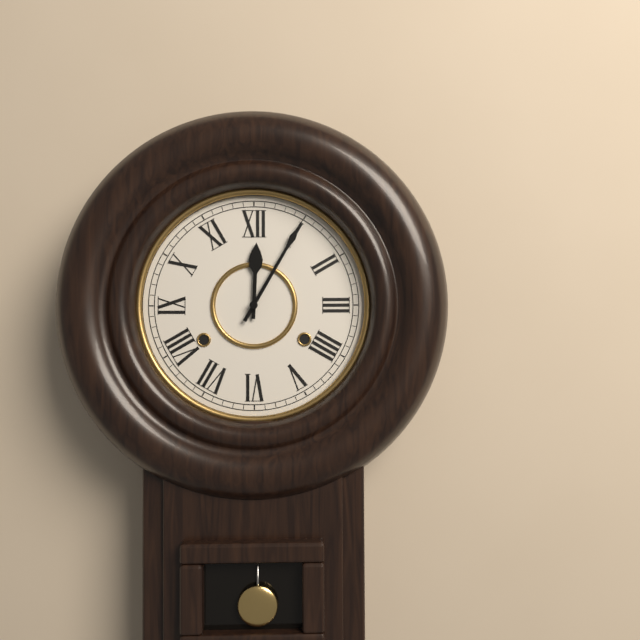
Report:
12h05
